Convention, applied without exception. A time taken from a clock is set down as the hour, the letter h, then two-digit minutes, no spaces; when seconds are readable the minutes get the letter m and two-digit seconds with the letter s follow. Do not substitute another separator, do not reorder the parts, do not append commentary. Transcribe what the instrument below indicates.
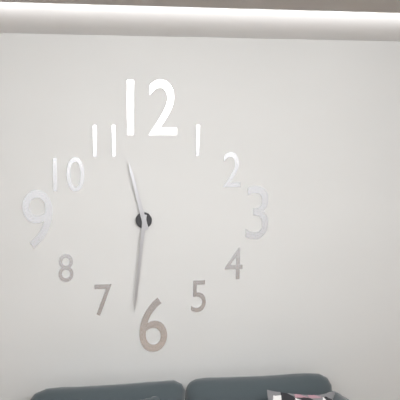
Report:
11h31
